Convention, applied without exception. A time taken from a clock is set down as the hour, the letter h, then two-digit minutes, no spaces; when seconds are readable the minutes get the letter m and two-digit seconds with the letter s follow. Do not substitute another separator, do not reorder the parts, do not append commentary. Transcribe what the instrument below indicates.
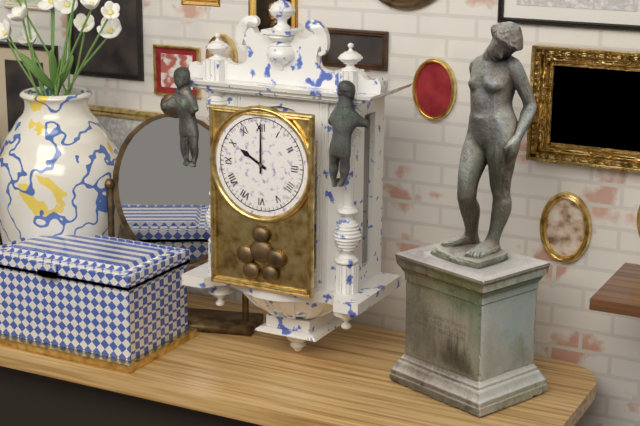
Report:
10h00
